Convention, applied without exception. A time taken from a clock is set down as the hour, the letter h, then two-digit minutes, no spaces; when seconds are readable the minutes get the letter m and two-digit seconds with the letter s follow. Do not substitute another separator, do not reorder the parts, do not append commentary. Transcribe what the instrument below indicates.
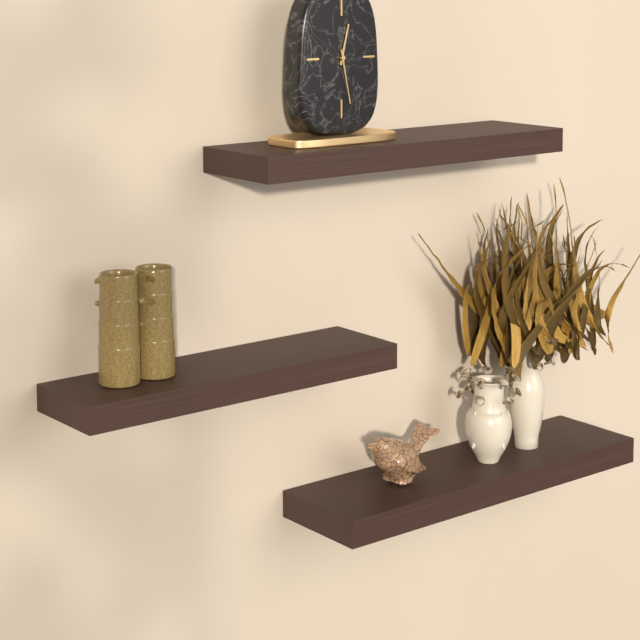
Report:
12h28
